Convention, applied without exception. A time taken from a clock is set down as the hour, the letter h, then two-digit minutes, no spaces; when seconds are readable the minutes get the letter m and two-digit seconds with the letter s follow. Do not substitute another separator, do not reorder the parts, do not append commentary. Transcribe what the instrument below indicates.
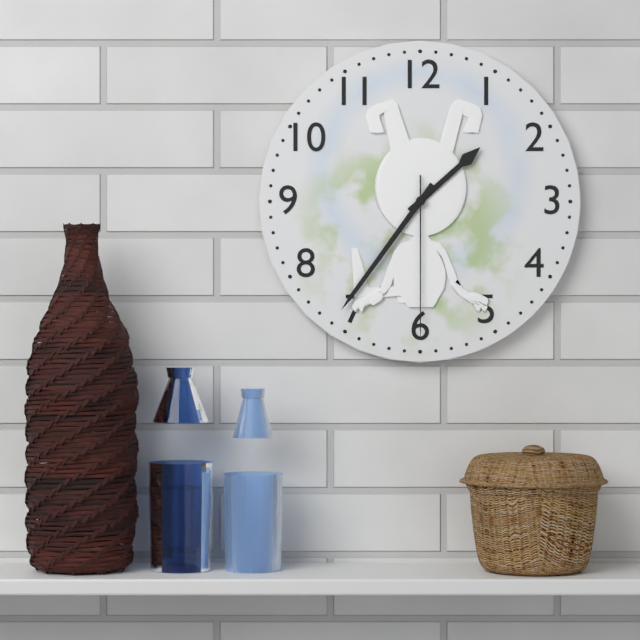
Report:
1h36m30s
